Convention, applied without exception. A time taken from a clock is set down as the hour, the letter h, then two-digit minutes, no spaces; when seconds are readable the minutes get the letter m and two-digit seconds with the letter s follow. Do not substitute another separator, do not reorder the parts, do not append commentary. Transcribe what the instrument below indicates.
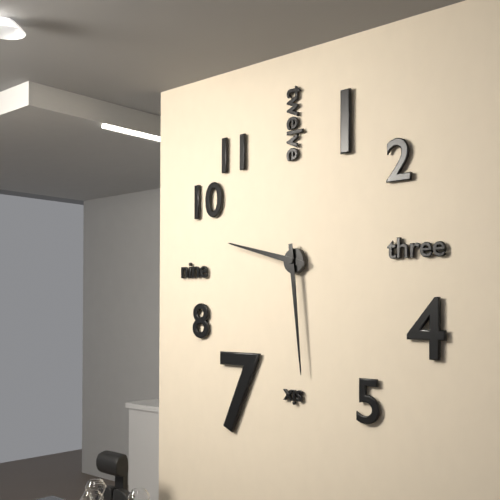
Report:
9h29
